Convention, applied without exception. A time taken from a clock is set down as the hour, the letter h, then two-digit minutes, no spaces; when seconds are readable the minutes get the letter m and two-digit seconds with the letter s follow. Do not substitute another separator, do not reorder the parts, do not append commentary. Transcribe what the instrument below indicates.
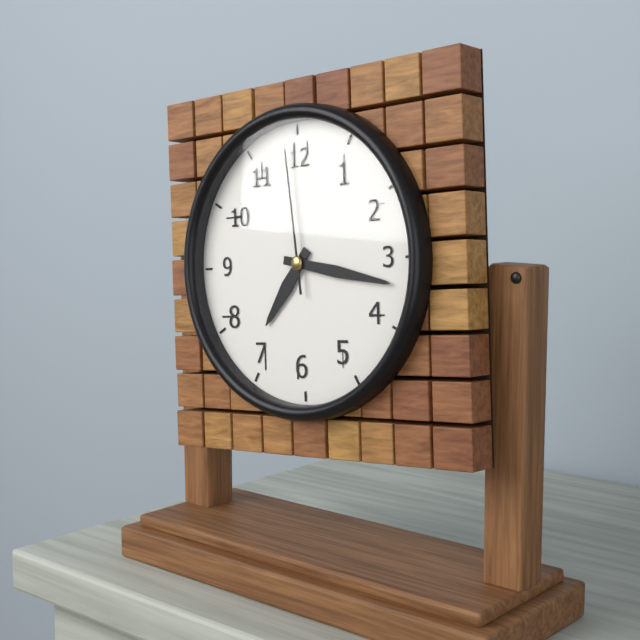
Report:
7h17m59s
